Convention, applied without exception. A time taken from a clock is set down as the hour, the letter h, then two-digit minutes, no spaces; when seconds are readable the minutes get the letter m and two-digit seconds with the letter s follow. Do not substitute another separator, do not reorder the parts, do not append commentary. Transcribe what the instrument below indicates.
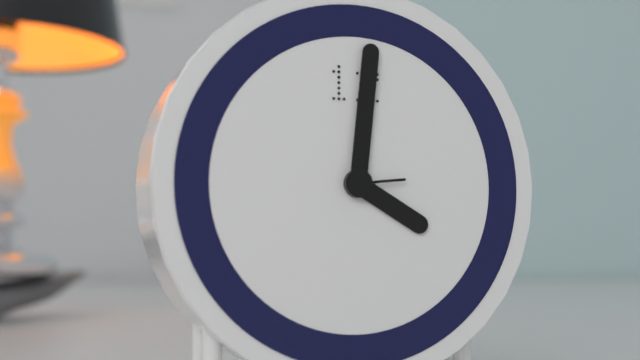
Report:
4h01m14s
